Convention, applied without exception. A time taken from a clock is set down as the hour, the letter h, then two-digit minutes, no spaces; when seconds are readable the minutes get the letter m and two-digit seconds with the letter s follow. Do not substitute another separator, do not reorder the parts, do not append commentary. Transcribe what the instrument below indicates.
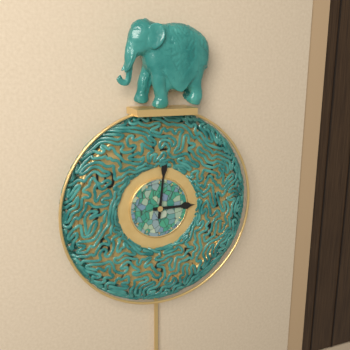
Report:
3h01
